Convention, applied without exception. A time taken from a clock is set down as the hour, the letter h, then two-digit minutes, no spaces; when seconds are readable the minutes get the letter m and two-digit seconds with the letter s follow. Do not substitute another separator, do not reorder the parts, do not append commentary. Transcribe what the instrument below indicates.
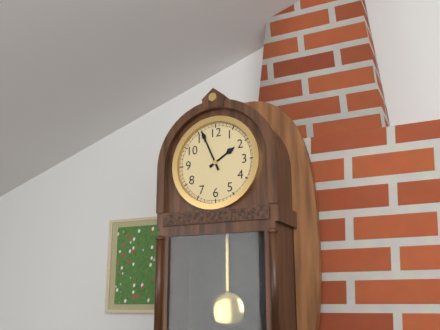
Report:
1h56
